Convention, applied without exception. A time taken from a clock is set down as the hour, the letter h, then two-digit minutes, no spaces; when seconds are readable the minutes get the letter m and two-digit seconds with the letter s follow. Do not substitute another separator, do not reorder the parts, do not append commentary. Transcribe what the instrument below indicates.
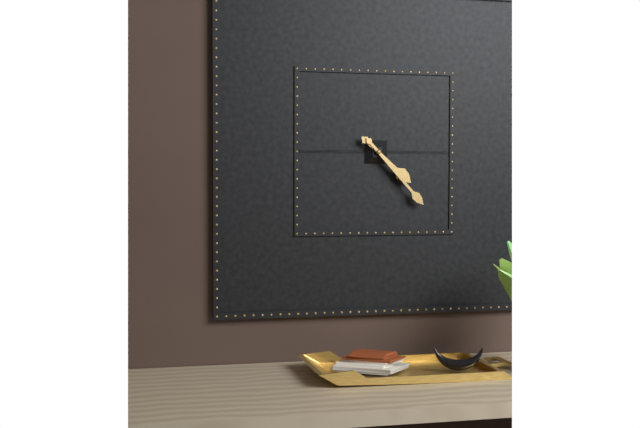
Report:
4h23
